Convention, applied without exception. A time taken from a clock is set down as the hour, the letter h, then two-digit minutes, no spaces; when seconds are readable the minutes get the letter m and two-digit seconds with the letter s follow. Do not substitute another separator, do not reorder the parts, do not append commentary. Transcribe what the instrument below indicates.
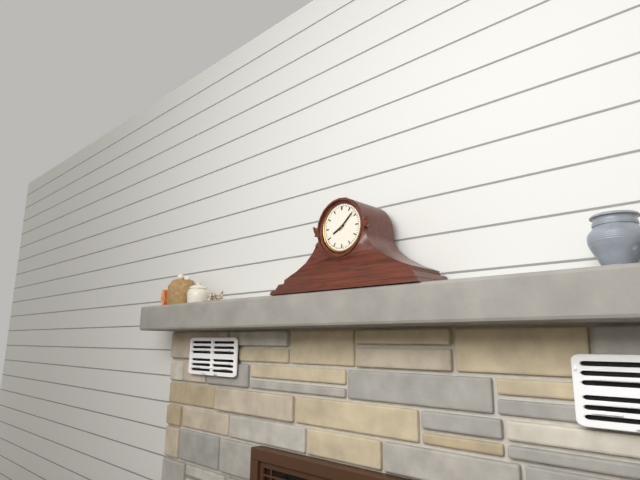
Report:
8h08
